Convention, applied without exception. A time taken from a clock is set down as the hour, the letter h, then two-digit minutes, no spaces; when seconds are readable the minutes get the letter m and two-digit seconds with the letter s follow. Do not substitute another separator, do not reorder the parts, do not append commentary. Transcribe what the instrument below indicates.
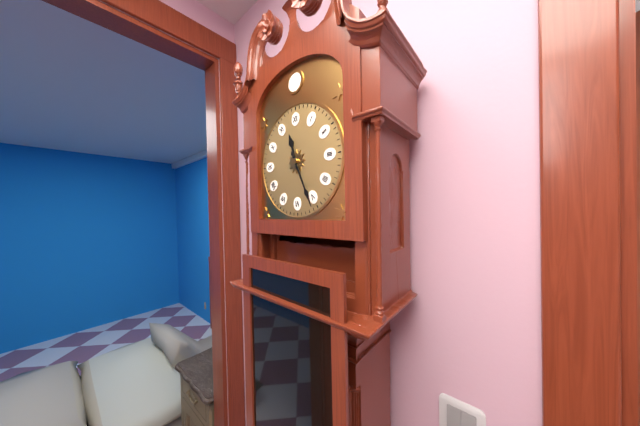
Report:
11h26
